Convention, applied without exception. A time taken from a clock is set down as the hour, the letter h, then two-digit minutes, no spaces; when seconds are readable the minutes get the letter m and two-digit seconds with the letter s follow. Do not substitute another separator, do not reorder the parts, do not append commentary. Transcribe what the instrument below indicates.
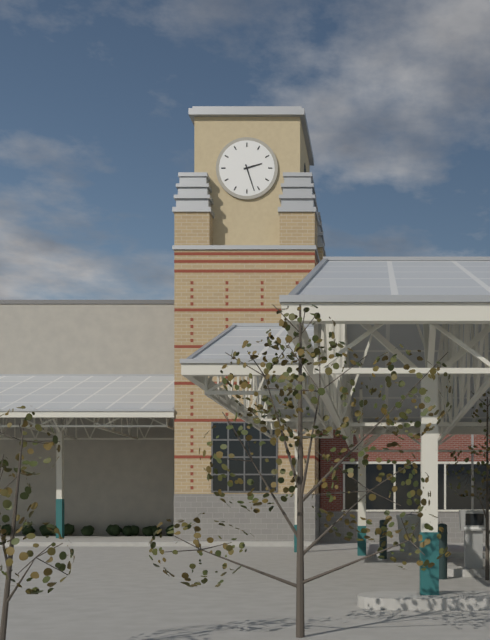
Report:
2h27
